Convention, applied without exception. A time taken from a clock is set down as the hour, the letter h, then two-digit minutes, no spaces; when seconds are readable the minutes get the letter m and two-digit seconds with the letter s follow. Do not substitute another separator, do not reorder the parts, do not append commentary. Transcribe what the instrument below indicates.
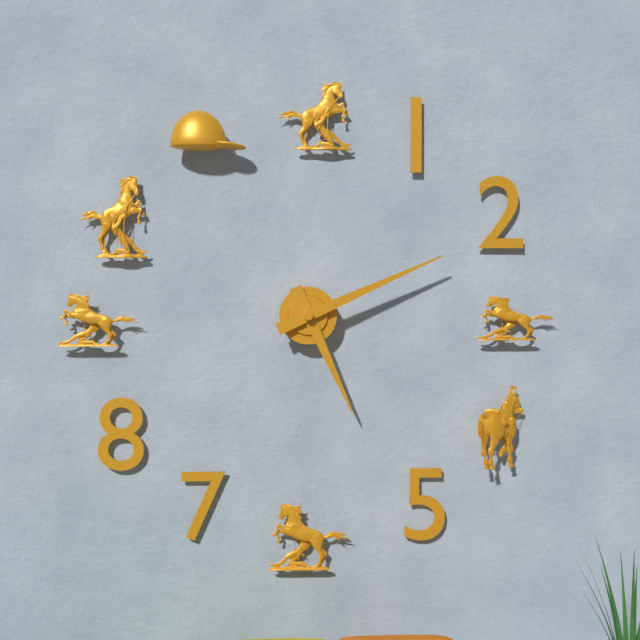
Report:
5h11
